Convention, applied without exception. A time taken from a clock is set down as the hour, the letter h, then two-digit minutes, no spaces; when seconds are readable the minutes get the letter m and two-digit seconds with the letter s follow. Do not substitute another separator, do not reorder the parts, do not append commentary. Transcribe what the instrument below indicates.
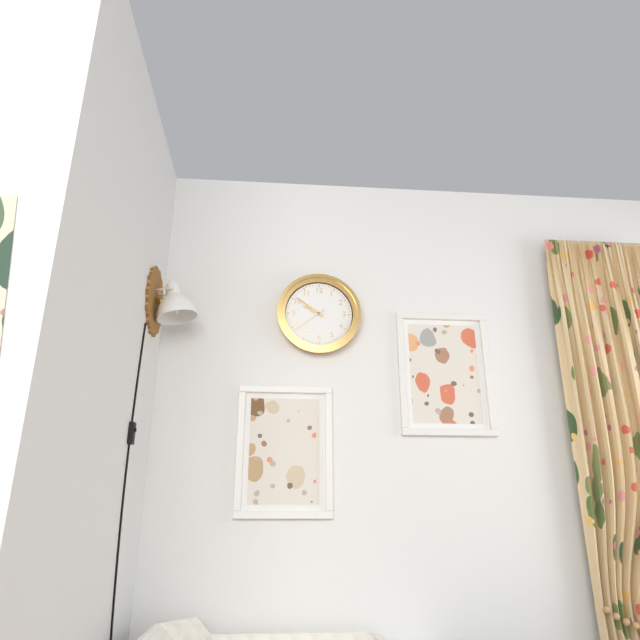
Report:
9h51
